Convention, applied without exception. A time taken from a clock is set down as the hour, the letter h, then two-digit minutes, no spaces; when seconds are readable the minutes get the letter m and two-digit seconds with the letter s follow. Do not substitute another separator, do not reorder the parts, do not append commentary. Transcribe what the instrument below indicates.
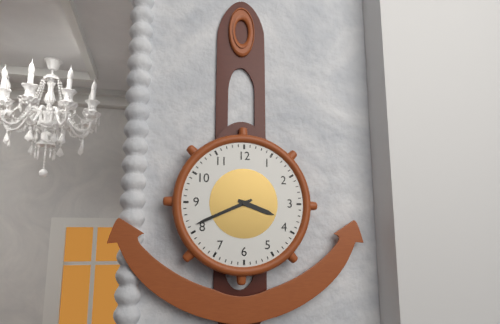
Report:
3h41
